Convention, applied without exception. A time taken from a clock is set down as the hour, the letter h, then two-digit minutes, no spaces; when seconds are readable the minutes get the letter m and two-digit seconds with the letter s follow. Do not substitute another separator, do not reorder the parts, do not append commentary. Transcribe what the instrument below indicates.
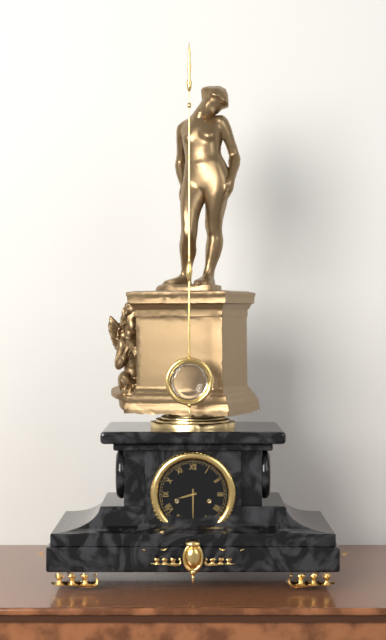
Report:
8h30
